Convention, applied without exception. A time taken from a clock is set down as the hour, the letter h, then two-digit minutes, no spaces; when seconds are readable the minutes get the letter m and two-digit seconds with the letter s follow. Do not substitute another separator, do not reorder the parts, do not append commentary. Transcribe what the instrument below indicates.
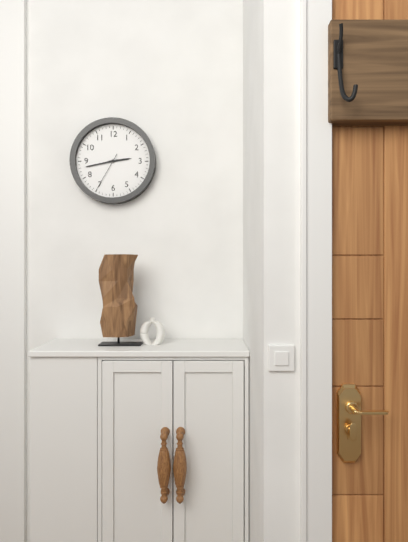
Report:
2h43
